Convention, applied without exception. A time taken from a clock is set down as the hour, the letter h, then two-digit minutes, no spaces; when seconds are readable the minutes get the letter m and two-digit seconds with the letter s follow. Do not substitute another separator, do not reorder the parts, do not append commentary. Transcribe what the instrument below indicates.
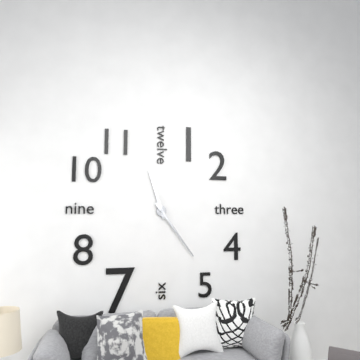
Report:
11h24
